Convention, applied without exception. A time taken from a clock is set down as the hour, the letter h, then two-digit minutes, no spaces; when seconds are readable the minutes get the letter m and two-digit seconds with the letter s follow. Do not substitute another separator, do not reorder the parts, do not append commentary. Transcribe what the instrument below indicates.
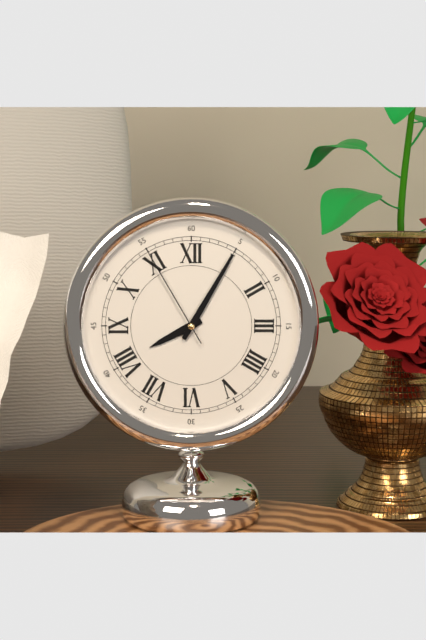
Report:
8h05m55s
